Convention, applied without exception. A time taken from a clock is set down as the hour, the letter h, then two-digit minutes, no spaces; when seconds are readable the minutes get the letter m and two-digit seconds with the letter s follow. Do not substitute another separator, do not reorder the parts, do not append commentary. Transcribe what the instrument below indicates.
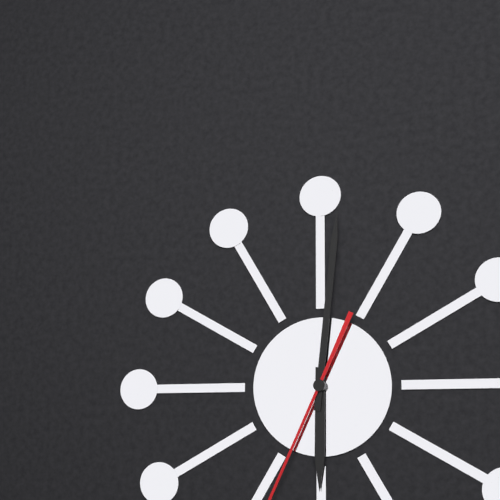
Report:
6h01
